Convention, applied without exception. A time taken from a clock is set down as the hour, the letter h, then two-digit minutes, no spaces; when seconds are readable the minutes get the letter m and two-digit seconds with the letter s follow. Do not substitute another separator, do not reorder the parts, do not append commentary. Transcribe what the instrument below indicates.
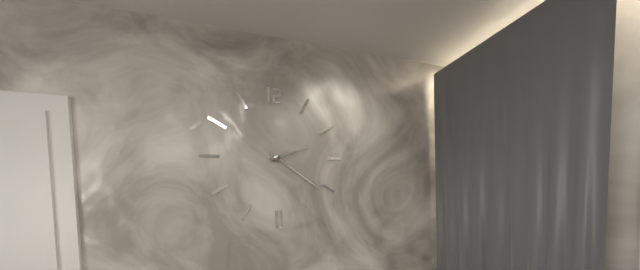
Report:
2h21
